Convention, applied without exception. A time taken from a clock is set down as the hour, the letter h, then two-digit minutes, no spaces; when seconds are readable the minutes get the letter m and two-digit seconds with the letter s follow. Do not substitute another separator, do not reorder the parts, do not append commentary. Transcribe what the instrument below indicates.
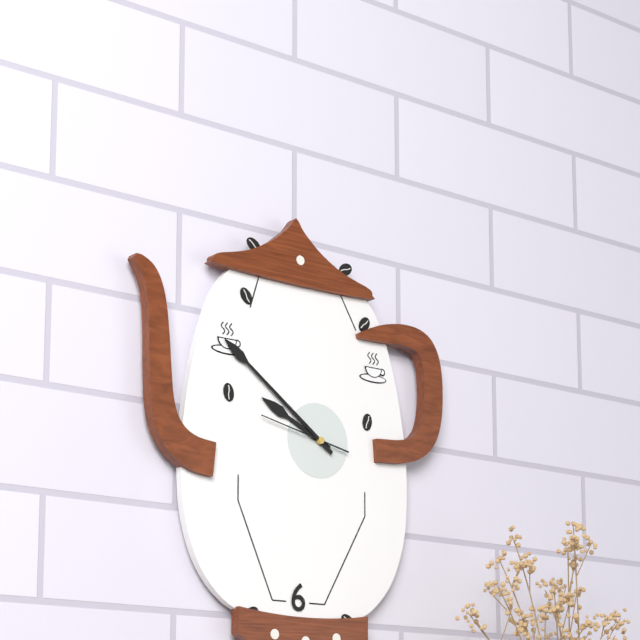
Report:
9h51m47s
